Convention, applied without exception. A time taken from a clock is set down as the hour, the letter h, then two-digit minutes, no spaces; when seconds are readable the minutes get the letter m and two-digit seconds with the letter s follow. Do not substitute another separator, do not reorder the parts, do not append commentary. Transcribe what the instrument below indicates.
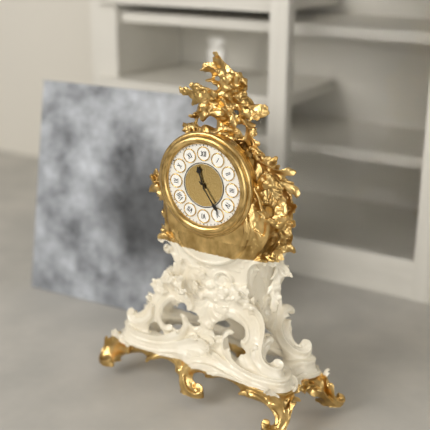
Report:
11h24
